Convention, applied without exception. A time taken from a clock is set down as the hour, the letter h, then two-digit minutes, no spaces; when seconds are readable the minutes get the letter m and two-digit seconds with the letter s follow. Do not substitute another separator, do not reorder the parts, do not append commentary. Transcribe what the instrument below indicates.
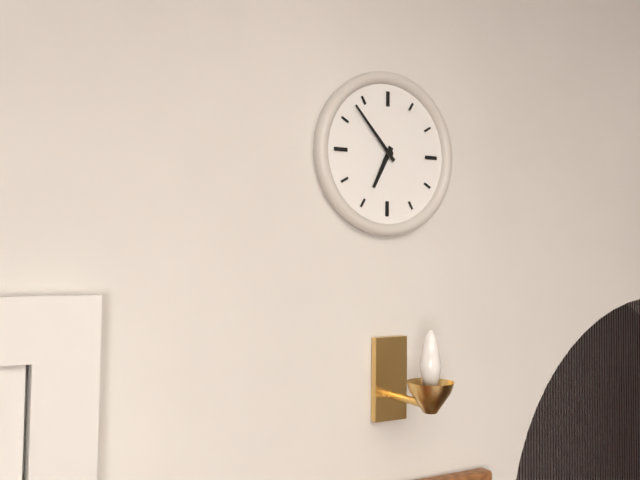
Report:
6h53
